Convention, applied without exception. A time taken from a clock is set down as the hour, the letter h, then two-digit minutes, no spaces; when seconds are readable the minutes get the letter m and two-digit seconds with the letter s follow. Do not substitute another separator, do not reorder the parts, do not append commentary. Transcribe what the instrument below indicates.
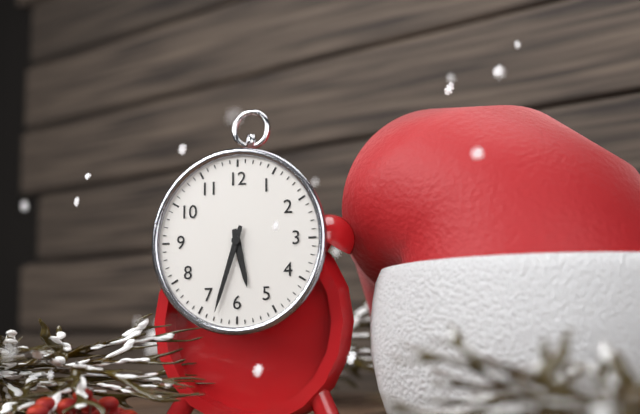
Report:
5h33
